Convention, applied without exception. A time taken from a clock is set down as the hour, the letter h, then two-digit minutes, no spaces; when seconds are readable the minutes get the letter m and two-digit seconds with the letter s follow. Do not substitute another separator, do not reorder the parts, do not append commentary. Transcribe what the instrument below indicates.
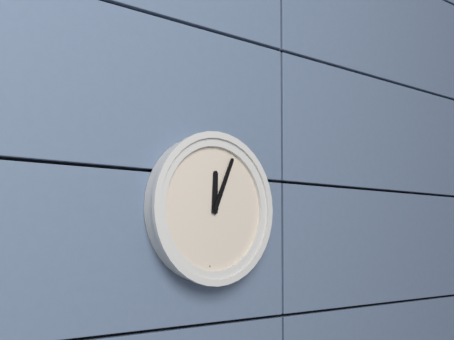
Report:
12h04
